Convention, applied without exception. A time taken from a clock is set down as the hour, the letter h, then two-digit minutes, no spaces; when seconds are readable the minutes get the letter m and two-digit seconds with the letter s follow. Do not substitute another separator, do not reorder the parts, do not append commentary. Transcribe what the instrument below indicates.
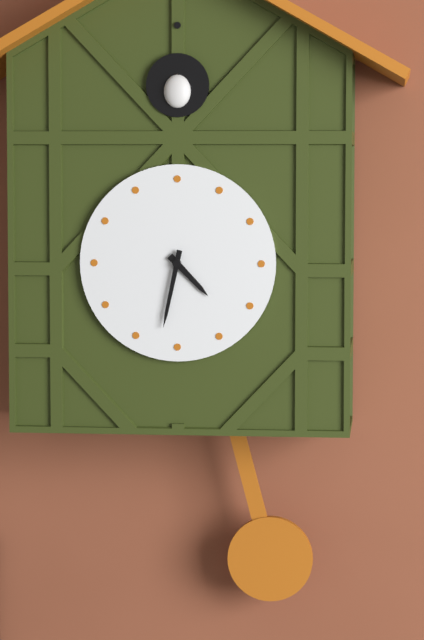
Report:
4h32
